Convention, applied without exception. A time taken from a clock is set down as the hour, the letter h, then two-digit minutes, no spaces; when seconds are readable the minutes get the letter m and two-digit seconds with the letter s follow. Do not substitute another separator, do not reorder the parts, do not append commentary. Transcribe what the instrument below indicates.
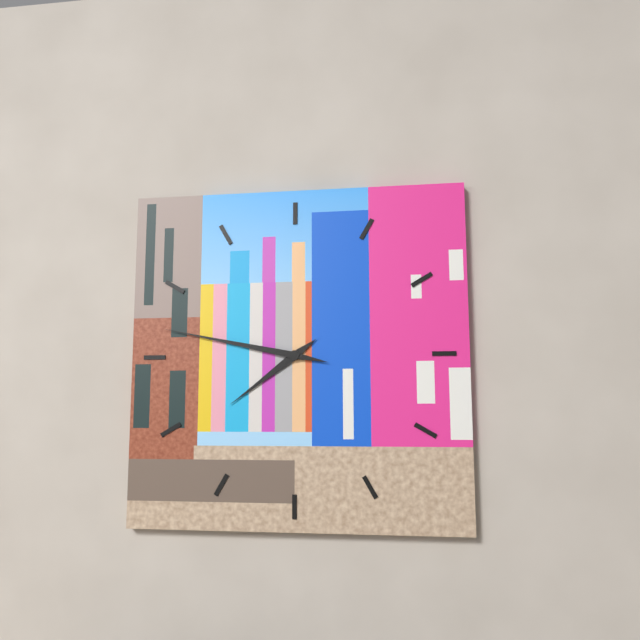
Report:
7h47
